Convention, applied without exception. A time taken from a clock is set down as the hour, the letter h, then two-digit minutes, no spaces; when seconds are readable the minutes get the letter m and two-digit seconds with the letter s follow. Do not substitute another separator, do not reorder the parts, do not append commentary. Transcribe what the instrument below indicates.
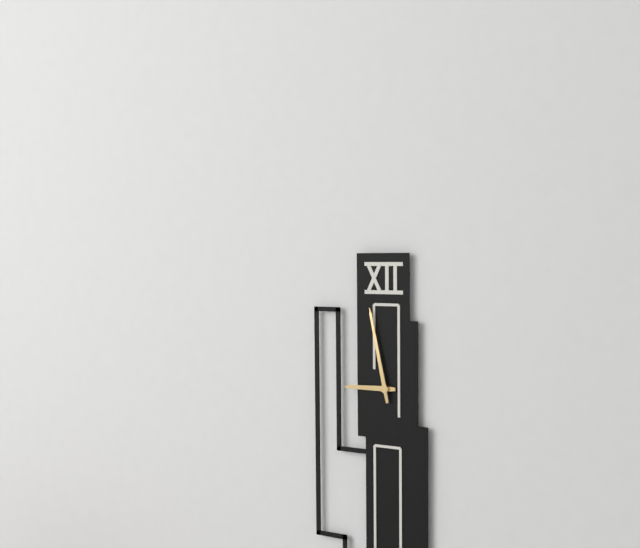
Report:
8h58
